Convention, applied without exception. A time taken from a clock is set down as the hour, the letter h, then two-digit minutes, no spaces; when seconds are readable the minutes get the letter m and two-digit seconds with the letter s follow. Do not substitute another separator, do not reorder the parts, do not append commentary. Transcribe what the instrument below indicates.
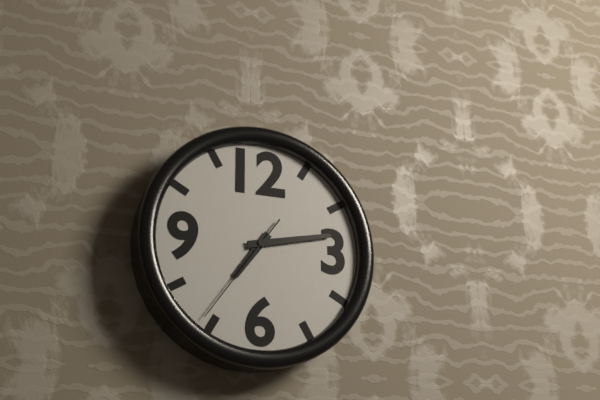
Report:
7h13m36s
